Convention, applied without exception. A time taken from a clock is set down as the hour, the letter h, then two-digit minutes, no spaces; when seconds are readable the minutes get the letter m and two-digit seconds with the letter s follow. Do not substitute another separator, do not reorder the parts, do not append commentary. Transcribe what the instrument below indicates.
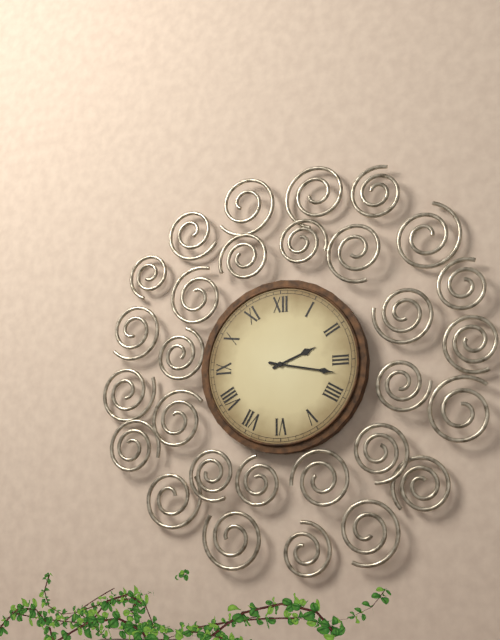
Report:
2h17
